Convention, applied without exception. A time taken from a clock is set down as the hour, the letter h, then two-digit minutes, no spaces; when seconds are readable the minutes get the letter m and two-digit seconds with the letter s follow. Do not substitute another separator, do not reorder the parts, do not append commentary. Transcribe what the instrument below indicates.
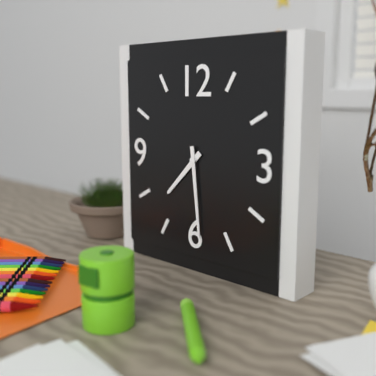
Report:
7h29
